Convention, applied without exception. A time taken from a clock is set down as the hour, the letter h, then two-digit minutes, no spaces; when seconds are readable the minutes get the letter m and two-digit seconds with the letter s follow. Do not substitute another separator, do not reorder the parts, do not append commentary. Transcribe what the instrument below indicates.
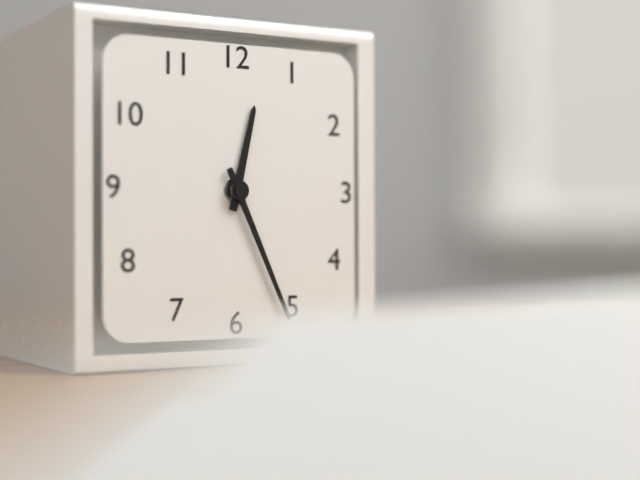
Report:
12h26
